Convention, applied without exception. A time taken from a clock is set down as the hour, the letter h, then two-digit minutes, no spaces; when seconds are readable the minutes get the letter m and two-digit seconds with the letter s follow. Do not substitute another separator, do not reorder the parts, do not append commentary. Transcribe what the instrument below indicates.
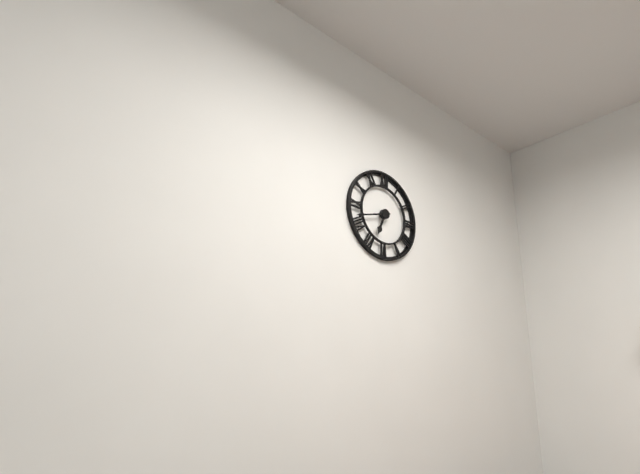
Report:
6h42
